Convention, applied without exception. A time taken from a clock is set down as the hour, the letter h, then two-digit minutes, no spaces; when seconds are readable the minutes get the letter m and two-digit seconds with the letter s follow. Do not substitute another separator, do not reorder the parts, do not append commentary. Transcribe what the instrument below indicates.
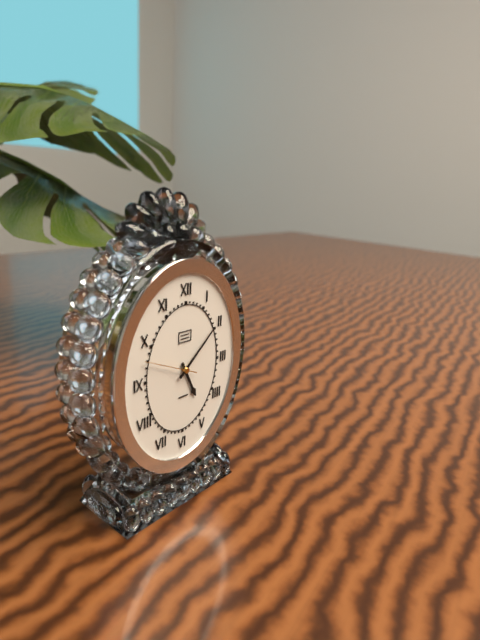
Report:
5h08
